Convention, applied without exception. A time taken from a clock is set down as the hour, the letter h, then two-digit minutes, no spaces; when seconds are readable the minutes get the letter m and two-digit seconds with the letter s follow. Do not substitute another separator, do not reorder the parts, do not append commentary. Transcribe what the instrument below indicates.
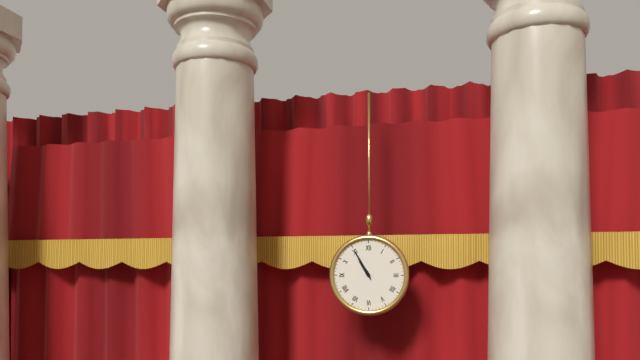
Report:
10h55
